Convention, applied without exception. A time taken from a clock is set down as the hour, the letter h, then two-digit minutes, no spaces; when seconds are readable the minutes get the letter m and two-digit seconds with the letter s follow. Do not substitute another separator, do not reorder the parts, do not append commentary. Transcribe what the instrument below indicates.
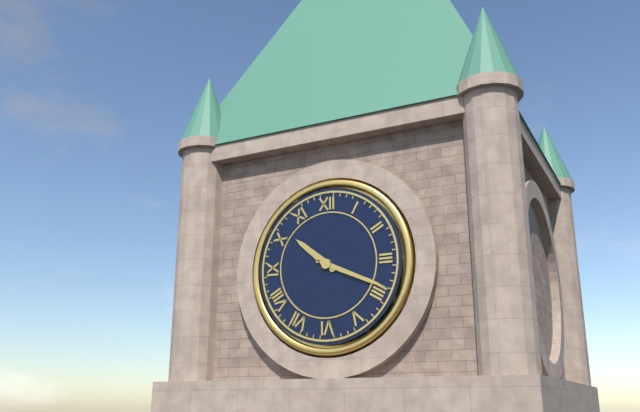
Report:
10h19
